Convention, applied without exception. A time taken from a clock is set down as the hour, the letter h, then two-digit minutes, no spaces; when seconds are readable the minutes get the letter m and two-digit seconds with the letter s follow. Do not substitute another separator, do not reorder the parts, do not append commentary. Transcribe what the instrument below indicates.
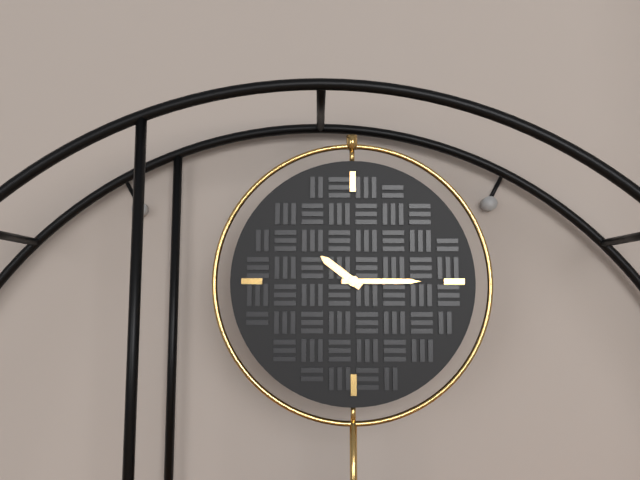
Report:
10h15
